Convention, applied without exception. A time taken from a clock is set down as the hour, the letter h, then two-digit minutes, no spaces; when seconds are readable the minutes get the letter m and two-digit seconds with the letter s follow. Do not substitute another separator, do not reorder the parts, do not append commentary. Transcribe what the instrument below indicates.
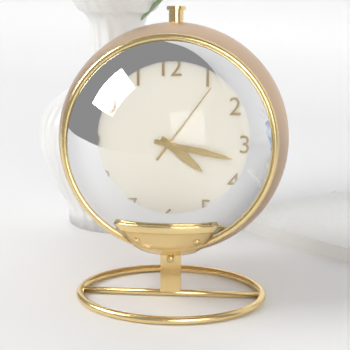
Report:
4h17m06s
